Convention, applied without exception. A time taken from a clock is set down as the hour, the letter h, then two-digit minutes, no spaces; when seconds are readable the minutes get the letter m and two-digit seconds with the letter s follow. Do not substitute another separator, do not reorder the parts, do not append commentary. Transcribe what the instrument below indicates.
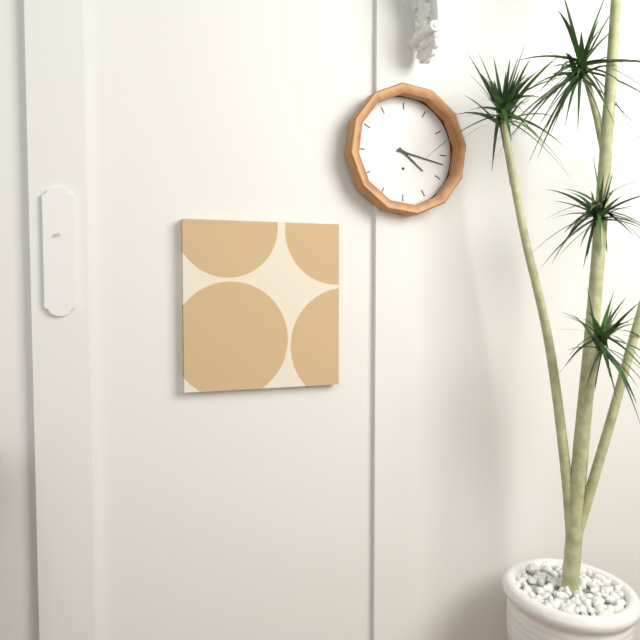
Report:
4h17
